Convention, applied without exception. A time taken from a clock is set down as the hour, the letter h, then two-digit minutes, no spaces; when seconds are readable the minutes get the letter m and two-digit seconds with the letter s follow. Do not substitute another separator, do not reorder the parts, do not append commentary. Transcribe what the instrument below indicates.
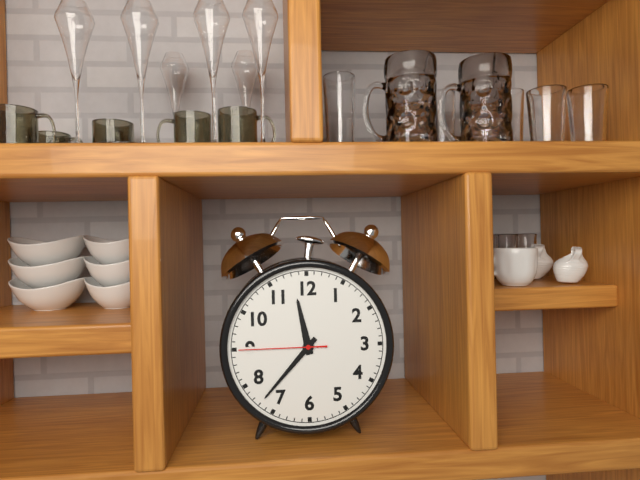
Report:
11h37m45s
